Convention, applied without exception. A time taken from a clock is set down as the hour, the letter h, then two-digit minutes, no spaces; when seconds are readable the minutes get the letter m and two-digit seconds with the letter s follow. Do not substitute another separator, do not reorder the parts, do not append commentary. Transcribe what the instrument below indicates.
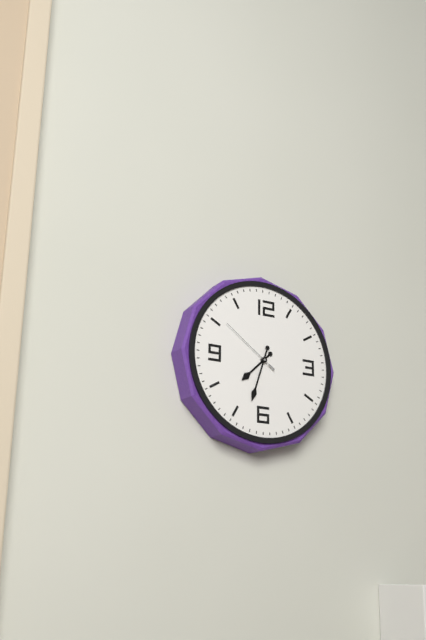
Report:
7h33m51s
